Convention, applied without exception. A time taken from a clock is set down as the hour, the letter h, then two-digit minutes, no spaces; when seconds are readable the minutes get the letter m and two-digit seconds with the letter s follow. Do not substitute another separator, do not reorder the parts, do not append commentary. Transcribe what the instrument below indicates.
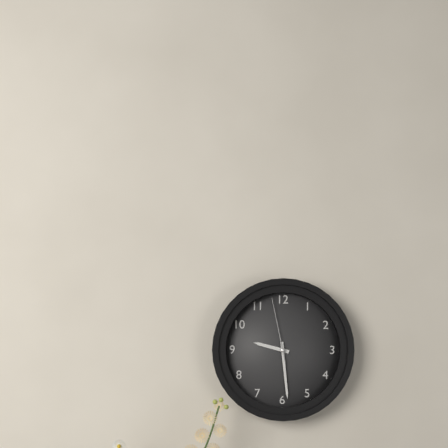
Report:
9h29m58s
